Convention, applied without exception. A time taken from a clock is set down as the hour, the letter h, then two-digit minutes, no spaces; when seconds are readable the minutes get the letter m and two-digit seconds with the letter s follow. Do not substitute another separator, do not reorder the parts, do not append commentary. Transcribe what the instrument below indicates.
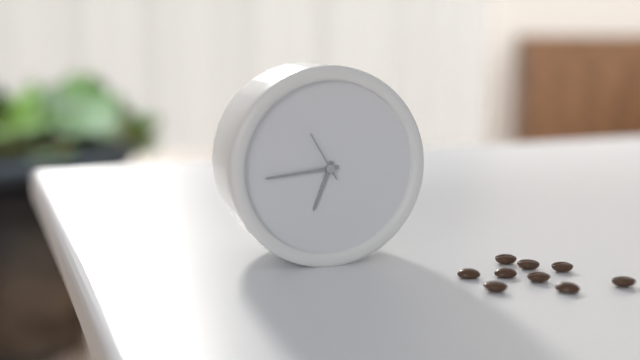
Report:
6h44m55s
